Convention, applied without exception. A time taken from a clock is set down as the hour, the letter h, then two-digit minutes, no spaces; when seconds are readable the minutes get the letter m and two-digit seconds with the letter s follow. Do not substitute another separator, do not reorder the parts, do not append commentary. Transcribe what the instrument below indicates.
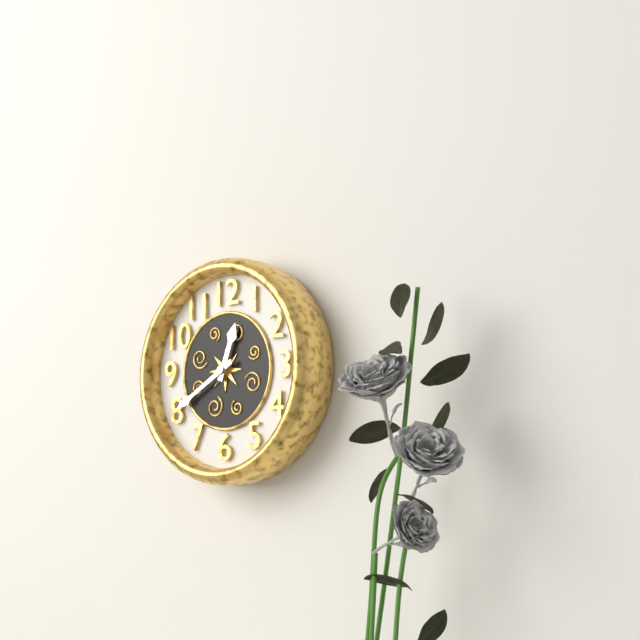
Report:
12h40
